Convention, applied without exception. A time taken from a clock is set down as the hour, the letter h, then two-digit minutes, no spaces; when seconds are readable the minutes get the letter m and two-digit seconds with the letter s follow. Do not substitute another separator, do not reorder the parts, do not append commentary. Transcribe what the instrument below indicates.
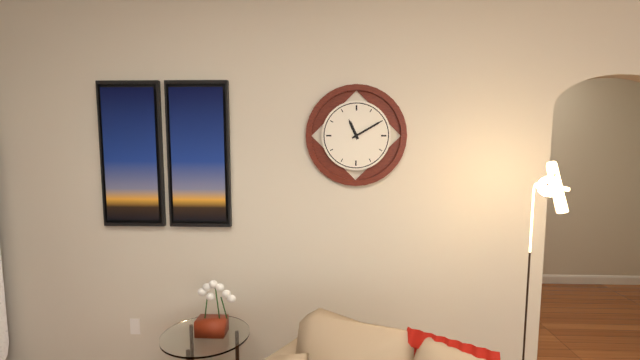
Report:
11h10
